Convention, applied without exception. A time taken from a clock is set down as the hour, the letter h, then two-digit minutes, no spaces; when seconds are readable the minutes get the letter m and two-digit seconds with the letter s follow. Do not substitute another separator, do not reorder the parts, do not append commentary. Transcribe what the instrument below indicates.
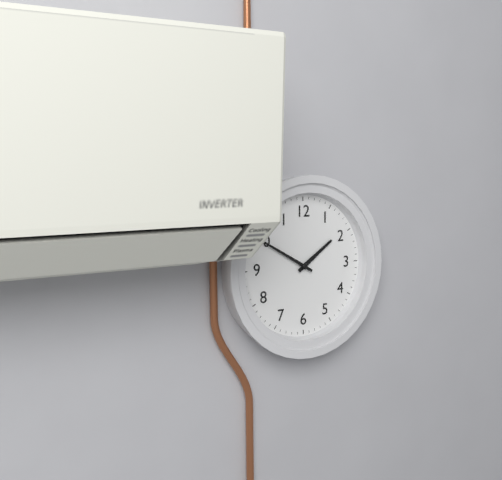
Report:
1h50
